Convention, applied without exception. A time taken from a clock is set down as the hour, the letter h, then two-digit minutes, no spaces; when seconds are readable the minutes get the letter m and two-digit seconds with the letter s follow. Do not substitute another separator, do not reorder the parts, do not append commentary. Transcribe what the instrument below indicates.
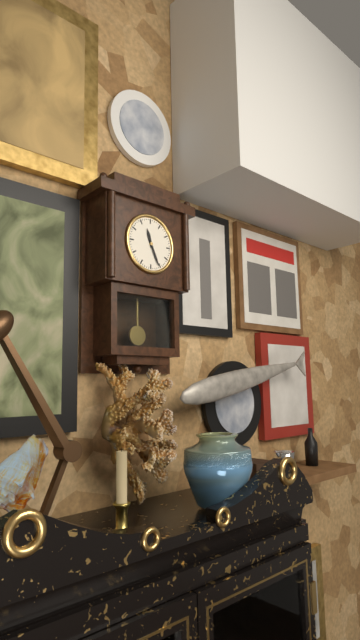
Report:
11h26
